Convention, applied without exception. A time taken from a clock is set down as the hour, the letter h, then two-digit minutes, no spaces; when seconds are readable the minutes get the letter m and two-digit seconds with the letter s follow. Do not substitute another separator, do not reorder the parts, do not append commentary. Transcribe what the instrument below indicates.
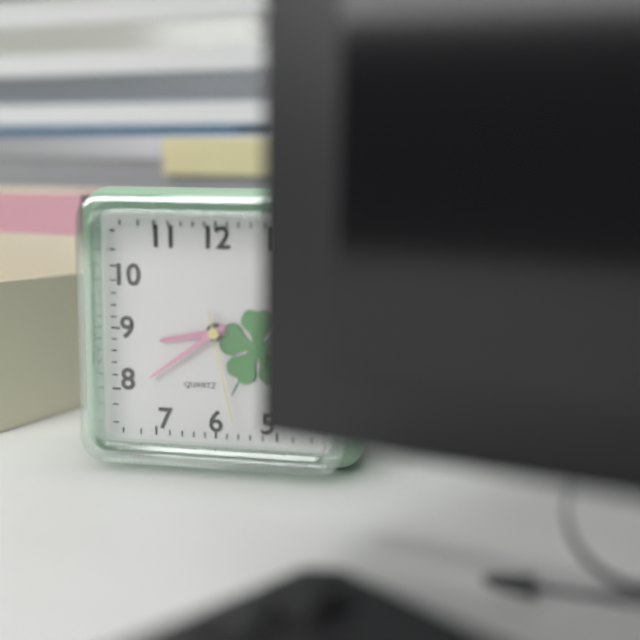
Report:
8h39m28s
